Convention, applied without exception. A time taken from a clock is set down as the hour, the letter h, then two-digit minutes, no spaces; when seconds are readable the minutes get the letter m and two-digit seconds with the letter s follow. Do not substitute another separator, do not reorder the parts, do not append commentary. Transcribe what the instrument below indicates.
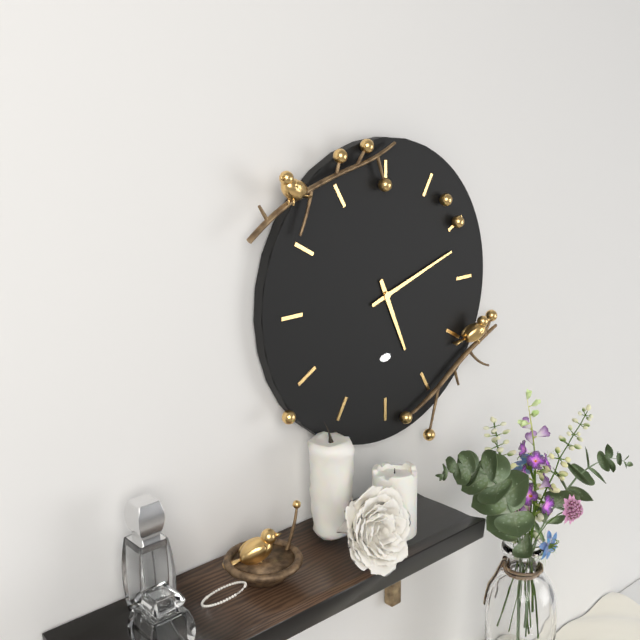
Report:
5h12
